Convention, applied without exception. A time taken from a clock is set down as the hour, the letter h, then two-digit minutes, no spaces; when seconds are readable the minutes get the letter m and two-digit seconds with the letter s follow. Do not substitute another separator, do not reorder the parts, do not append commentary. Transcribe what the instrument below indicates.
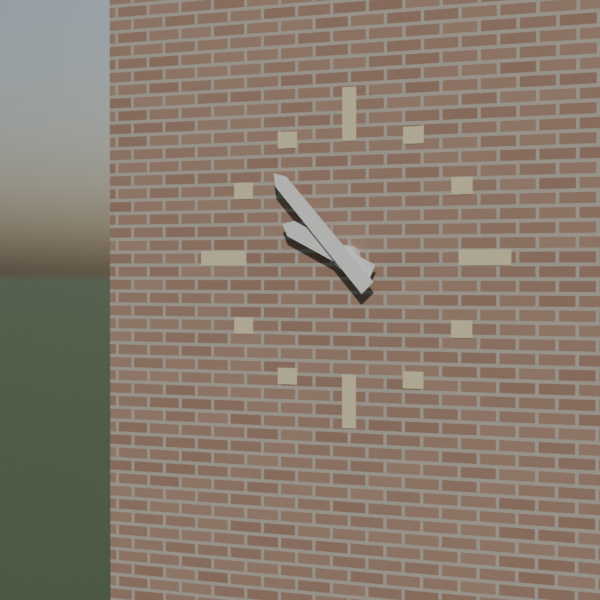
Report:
9h53
